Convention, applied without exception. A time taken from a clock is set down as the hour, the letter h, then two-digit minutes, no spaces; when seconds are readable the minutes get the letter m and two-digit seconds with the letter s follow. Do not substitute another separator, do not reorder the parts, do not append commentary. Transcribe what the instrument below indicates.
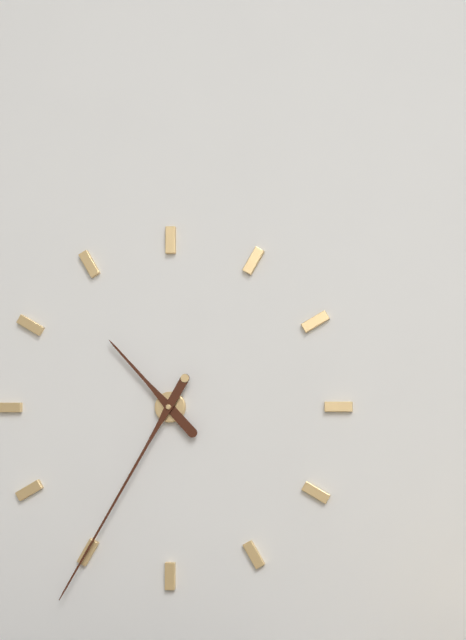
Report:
10h35
